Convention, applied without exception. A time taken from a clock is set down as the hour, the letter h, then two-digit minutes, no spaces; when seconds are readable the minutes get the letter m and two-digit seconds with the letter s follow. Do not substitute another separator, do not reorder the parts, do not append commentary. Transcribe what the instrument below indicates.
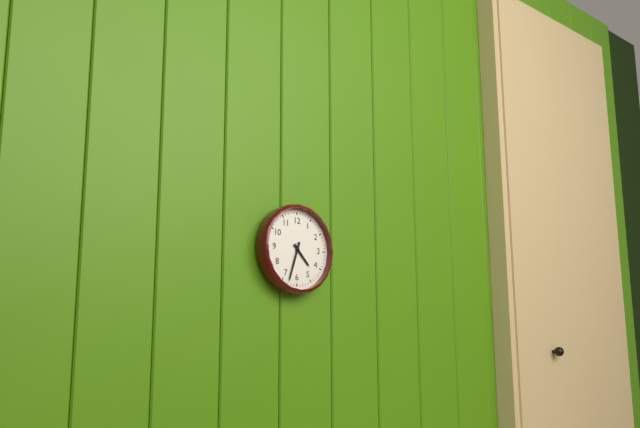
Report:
4h33
